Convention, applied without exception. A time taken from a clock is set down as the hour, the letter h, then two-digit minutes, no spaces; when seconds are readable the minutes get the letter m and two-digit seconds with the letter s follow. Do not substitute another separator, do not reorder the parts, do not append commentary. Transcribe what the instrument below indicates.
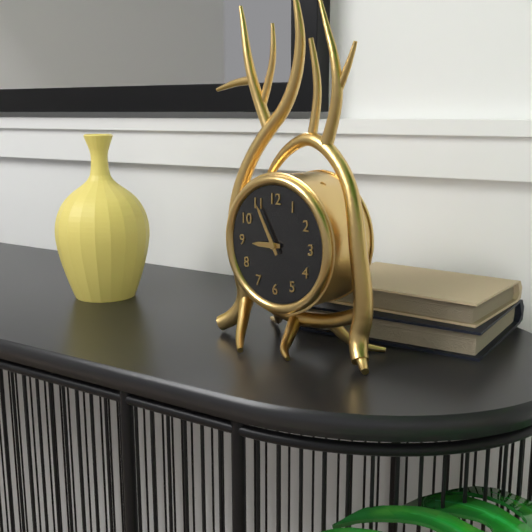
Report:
8h55
